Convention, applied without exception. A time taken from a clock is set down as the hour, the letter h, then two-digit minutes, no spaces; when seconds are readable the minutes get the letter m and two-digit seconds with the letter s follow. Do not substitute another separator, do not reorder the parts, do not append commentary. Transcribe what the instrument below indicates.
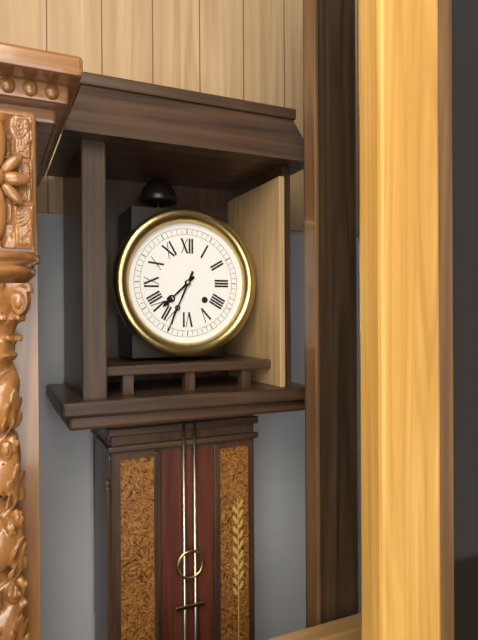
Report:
7h34
